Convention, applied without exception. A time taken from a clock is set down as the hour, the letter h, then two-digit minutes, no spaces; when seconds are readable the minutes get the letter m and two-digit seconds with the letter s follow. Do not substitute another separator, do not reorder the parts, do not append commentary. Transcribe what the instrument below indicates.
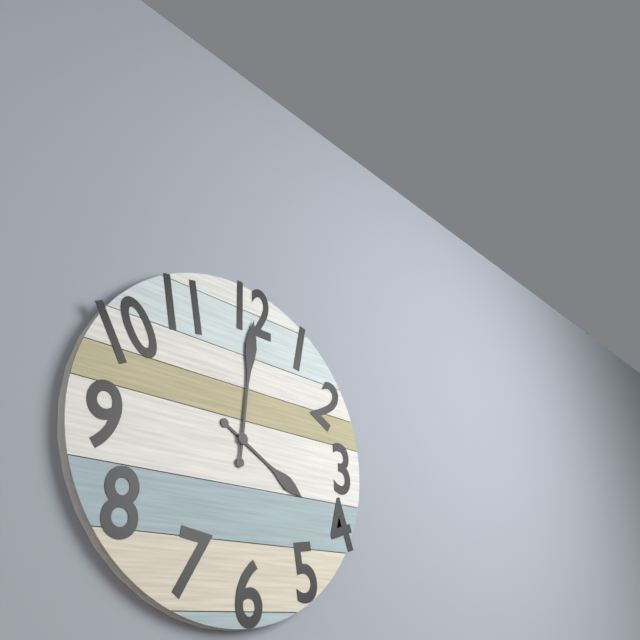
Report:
4h01
